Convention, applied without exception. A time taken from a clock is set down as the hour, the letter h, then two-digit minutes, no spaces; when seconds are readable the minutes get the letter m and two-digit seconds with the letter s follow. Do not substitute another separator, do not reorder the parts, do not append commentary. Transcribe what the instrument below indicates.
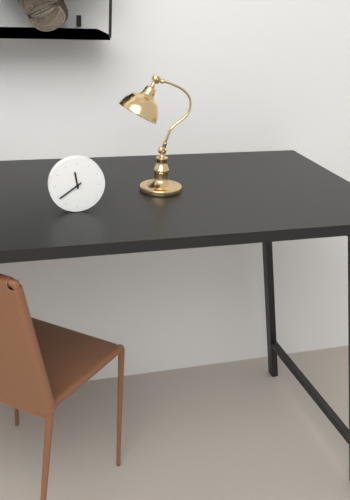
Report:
11h39
